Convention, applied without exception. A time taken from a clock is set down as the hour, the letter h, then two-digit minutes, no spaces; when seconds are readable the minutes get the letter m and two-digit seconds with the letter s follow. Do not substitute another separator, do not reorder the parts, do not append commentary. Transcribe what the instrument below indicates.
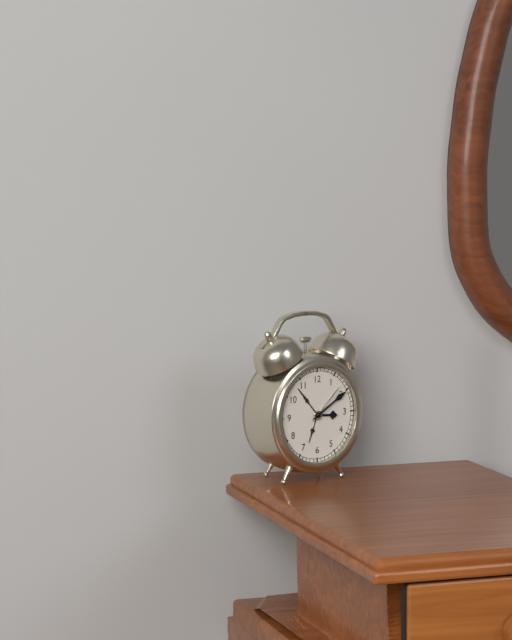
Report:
3h10
